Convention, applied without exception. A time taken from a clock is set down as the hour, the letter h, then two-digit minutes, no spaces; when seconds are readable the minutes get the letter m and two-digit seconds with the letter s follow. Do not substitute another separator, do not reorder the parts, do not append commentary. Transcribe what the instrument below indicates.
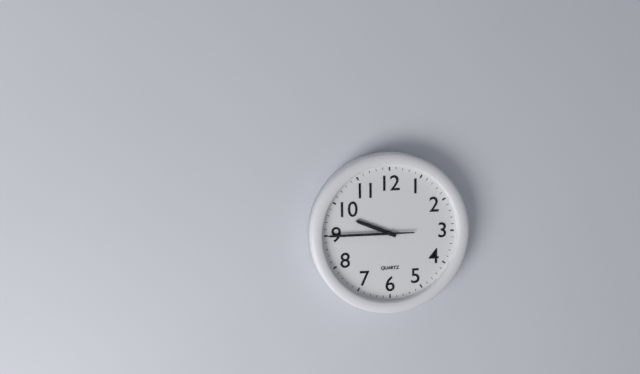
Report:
9h45
